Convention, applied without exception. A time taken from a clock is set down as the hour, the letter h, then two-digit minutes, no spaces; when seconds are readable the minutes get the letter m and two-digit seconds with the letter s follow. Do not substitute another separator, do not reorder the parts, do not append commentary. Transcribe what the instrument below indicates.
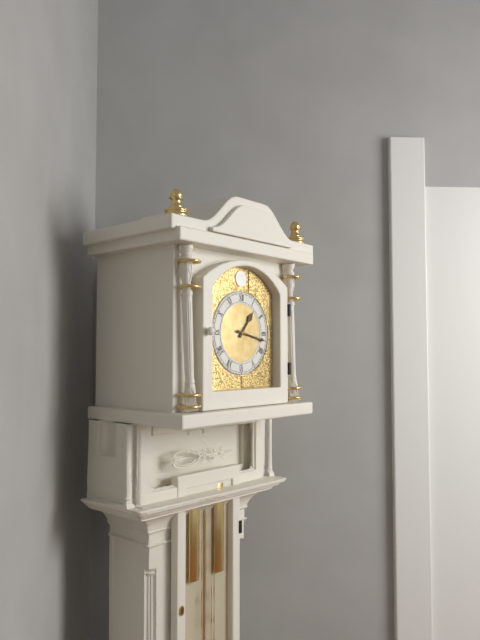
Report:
1h17
